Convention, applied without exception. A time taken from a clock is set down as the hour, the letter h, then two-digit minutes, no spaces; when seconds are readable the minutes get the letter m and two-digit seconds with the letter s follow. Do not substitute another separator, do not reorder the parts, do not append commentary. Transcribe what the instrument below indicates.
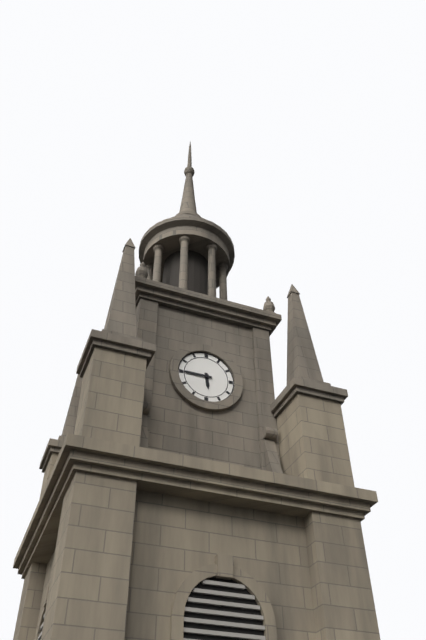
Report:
5h45
